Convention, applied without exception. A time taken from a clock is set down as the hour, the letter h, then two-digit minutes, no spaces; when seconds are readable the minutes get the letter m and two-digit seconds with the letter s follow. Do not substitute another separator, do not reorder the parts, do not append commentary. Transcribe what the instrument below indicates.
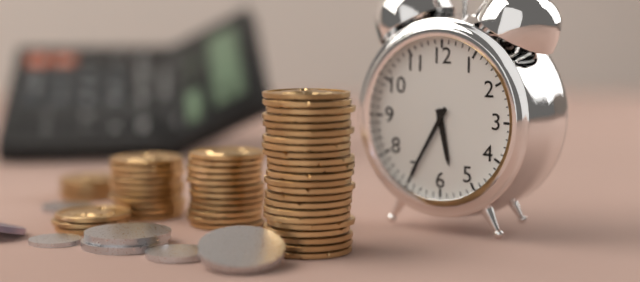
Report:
5h35
